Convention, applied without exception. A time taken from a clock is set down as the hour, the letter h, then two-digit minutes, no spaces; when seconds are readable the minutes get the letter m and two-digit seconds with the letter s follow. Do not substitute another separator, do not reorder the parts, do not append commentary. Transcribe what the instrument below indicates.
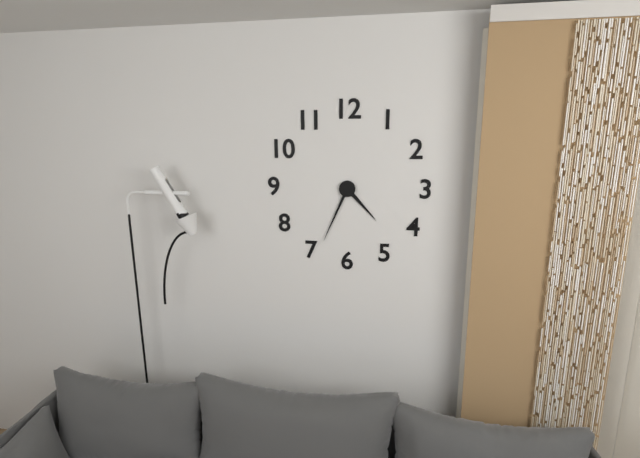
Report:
4h34
